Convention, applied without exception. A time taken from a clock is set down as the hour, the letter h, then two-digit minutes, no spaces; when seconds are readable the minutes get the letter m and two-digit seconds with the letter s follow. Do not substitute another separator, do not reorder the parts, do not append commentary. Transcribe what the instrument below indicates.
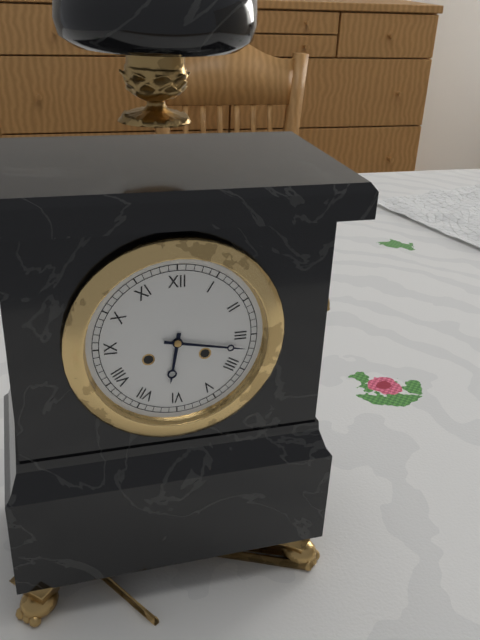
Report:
6h17
